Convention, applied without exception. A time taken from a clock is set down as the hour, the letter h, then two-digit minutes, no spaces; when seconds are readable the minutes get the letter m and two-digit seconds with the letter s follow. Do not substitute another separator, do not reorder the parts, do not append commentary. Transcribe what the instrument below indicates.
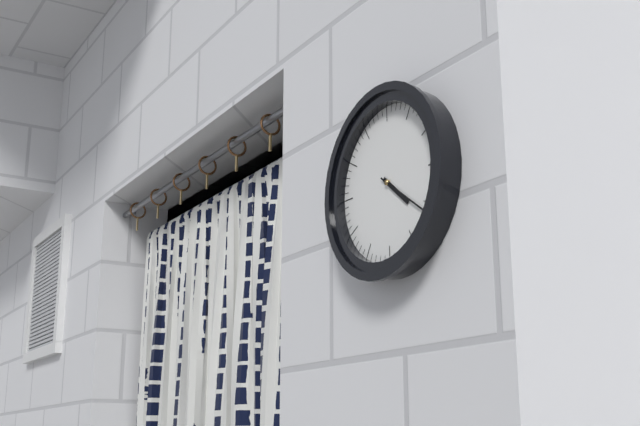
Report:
4h21
